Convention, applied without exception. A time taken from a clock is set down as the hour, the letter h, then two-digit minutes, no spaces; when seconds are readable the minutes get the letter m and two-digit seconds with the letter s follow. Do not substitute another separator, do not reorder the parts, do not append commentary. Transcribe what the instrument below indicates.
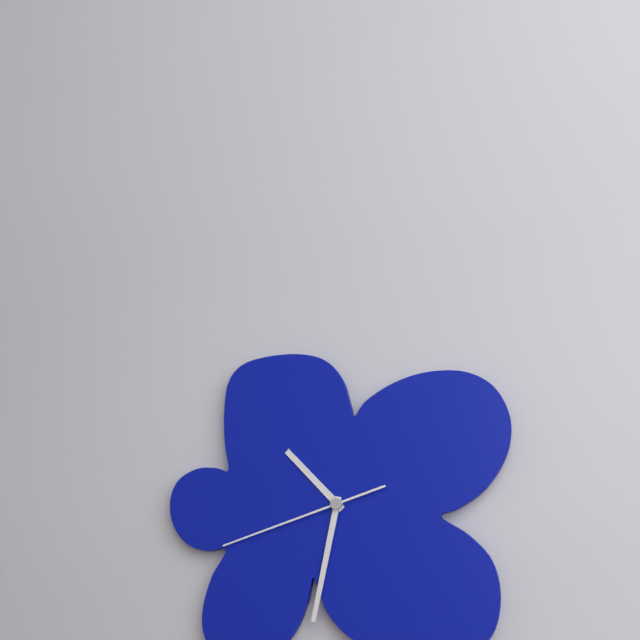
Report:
10h32m42s
